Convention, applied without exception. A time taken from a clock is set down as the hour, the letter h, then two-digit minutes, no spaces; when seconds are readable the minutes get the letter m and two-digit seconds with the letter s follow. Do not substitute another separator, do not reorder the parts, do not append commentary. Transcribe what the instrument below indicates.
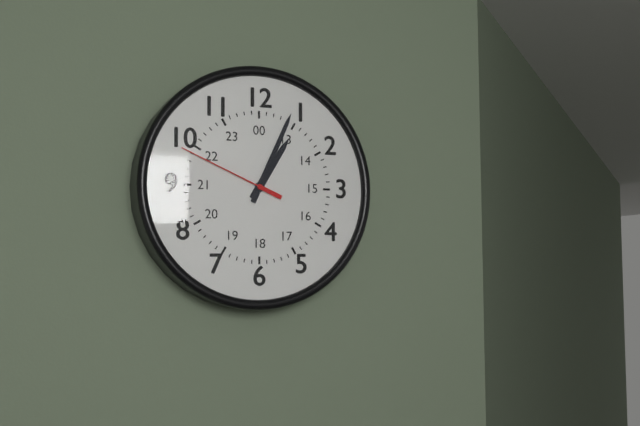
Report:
1h04m49s
